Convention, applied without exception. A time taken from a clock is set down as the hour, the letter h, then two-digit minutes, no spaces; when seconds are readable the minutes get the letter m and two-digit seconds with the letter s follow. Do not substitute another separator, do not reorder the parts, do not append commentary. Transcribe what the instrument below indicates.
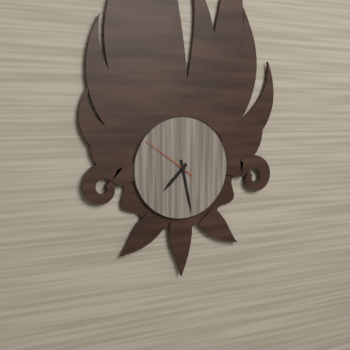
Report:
7h28m51s
